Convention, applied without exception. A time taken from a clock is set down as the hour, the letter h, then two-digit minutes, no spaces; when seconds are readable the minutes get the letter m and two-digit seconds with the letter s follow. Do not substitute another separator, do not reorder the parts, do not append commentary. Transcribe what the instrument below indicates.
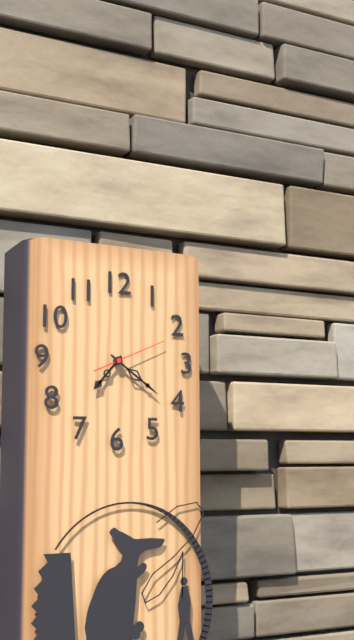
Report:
7h21m11s
